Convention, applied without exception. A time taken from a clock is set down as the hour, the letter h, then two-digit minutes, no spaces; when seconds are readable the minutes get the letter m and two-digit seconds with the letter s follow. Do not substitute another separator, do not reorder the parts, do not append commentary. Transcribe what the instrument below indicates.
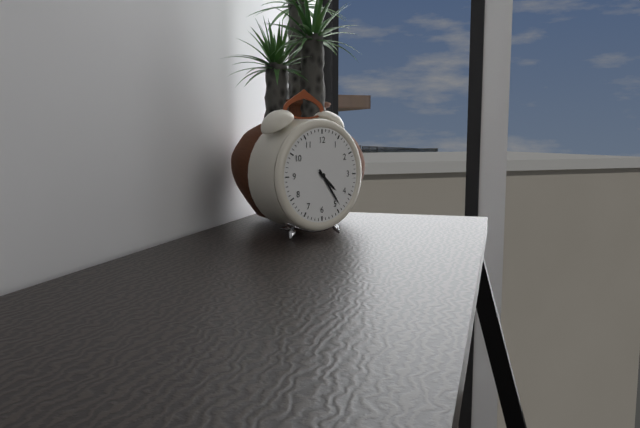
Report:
4h24
